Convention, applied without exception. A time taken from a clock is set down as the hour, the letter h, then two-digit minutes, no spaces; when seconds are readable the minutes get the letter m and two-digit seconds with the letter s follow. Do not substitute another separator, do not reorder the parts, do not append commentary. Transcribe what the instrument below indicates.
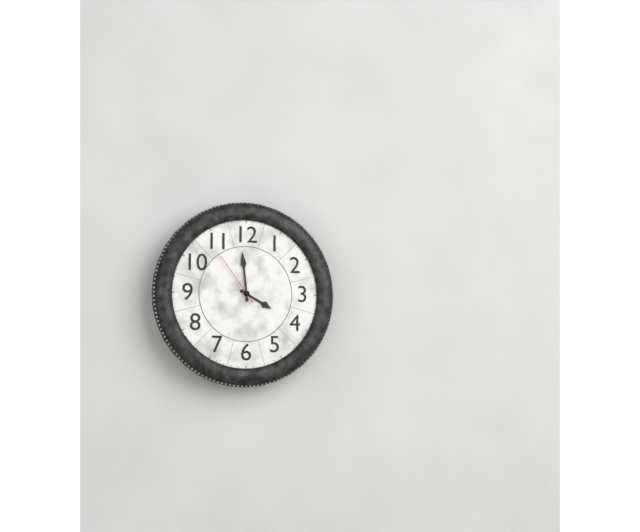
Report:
3h59m54s
